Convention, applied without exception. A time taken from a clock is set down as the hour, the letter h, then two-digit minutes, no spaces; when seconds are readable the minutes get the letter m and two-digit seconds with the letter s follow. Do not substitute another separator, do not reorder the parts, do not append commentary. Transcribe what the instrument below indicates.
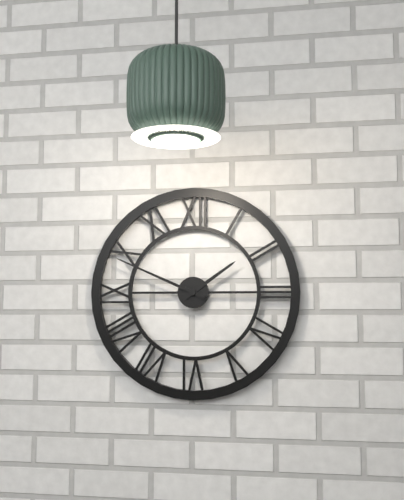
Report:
1h49
